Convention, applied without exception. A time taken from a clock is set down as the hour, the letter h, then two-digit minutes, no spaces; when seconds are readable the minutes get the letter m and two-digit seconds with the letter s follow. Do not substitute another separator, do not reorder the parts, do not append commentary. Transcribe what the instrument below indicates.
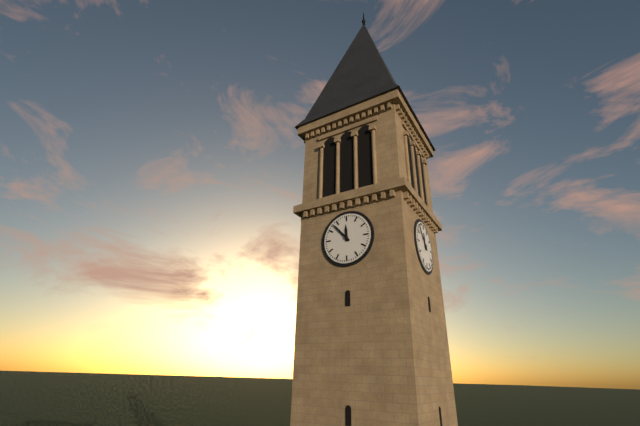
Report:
11h53
